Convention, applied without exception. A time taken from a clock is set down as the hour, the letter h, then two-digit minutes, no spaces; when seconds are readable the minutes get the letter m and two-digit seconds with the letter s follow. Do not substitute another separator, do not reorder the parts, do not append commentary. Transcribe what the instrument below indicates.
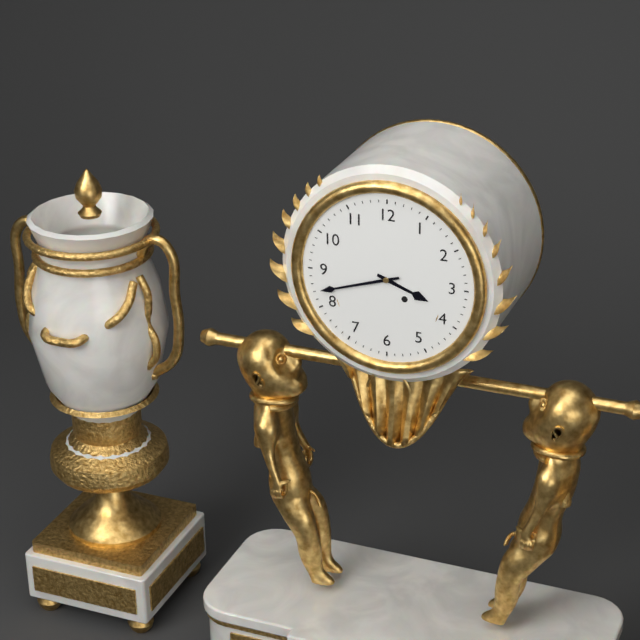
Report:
3h42
